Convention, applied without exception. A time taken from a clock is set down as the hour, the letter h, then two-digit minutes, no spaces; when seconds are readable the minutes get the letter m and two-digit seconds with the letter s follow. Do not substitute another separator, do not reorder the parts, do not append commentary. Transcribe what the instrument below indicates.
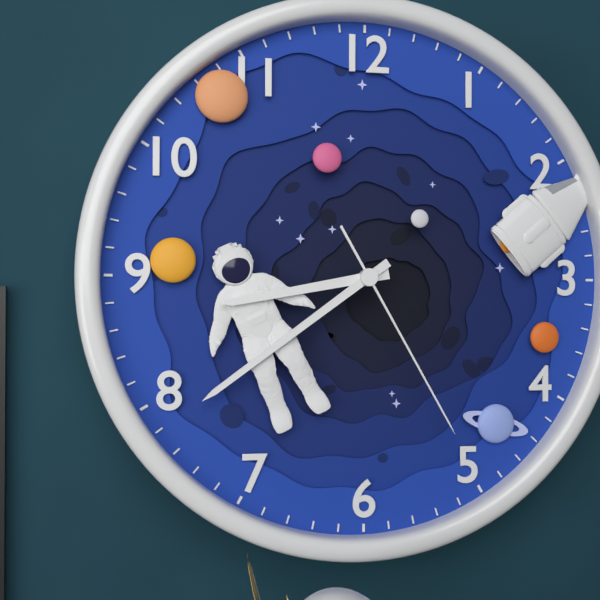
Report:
8h39m25s
